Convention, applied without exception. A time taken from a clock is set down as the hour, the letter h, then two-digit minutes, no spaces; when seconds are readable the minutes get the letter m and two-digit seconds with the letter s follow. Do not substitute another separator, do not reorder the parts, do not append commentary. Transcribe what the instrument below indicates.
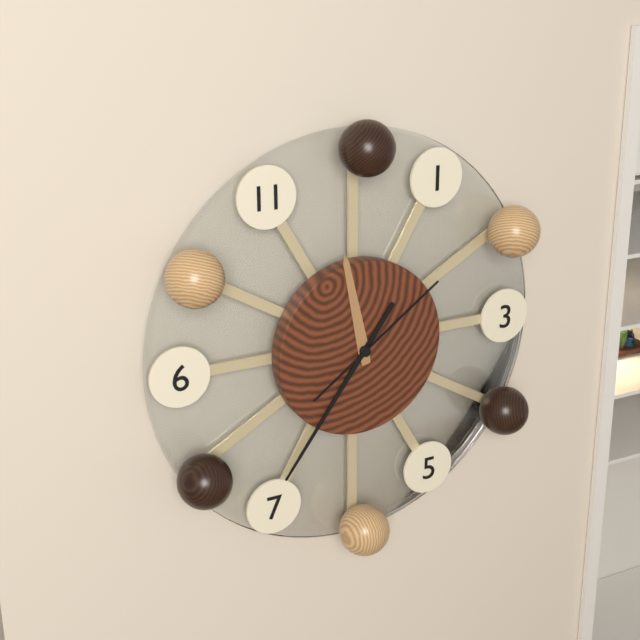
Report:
11h36m09s
